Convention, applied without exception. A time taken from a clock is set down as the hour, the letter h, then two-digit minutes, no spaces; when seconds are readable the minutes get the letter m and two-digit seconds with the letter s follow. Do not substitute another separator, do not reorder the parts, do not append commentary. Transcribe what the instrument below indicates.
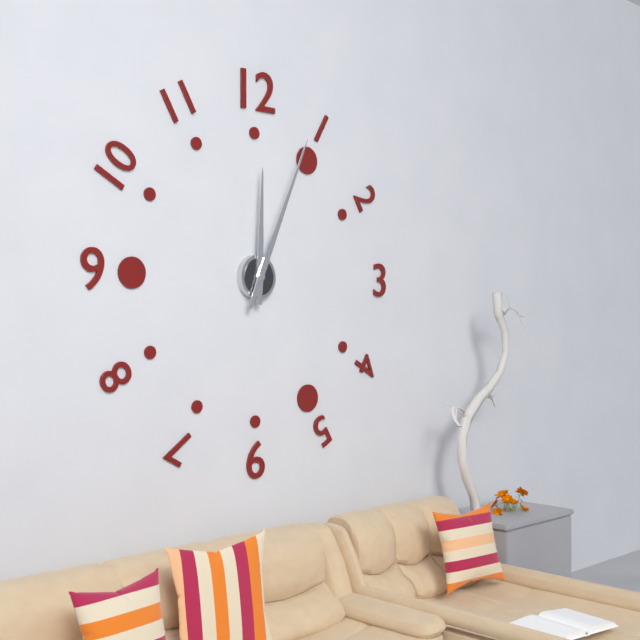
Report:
12h04
